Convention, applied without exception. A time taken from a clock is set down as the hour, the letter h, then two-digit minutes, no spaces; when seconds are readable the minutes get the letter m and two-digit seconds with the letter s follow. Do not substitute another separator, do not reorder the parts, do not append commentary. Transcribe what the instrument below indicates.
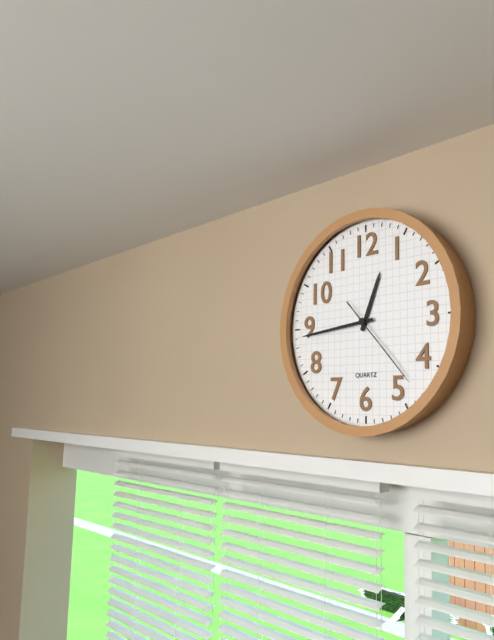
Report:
12h44m23s
